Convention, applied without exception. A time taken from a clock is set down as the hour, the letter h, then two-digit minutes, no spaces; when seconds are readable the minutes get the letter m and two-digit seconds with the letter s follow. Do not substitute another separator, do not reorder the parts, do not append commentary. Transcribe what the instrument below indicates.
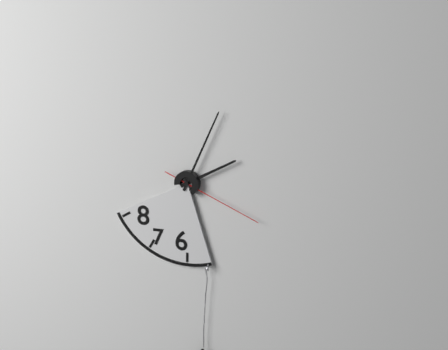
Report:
2h04m19s
